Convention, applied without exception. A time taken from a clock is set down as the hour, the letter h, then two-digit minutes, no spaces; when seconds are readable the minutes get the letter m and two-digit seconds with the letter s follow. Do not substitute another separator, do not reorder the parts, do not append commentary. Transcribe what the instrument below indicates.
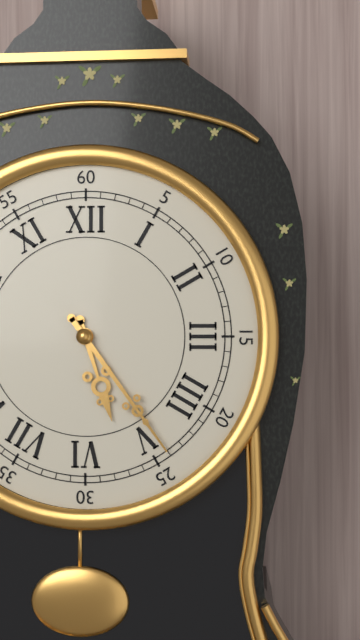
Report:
5h24
